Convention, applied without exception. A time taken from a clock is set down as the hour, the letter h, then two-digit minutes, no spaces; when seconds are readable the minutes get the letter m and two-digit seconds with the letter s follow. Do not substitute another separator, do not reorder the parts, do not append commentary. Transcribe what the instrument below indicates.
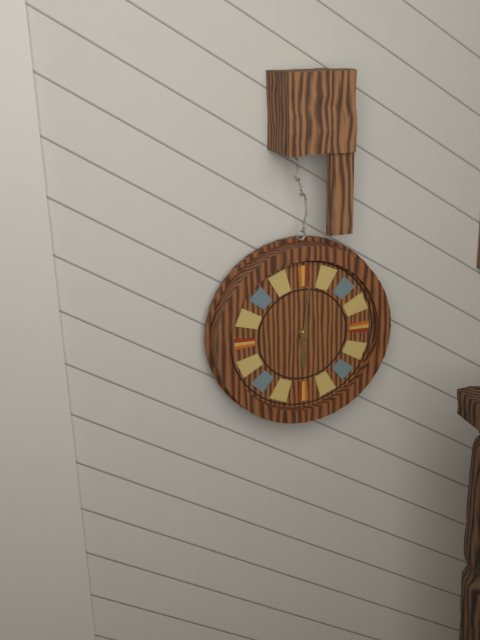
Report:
6h01
